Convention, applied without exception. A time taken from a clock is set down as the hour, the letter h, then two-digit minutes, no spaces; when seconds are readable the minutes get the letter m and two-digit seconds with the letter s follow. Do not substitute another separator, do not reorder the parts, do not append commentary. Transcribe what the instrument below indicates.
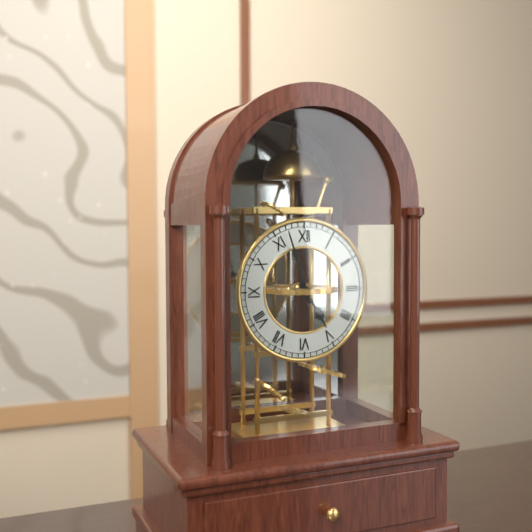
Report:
4h57
